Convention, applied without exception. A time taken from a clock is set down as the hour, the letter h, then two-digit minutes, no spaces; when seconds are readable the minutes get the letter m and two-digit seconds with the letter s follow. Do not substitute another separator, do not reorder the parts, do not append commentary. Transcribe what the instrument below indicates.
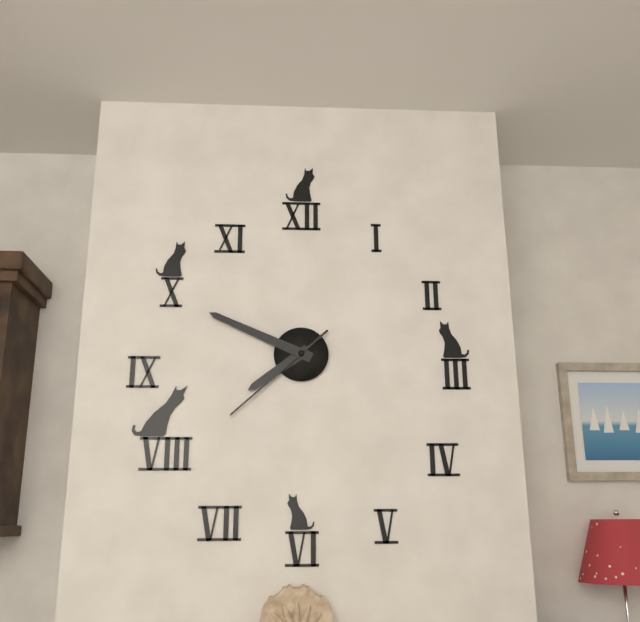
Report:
7h49m38s
